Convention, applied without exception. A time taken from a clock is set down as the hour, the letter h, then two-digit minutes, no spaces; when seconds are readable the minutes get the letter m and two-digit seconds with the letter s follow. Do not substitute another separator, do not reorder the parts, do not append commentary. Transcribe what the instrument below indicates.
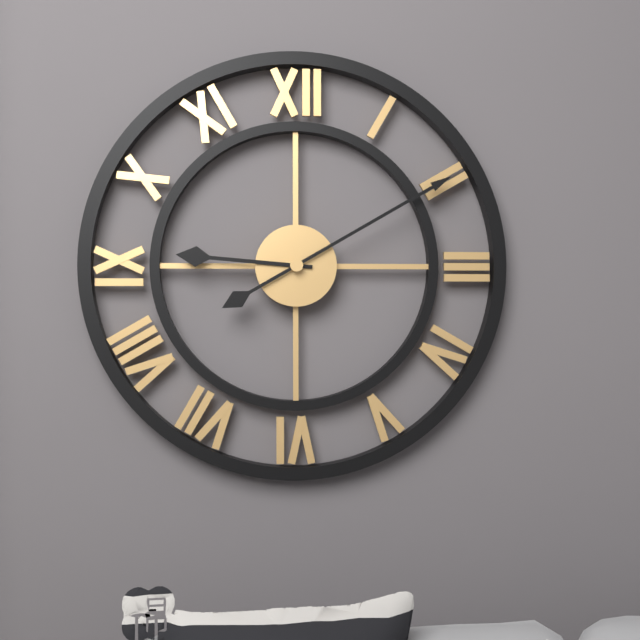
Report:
9h10
